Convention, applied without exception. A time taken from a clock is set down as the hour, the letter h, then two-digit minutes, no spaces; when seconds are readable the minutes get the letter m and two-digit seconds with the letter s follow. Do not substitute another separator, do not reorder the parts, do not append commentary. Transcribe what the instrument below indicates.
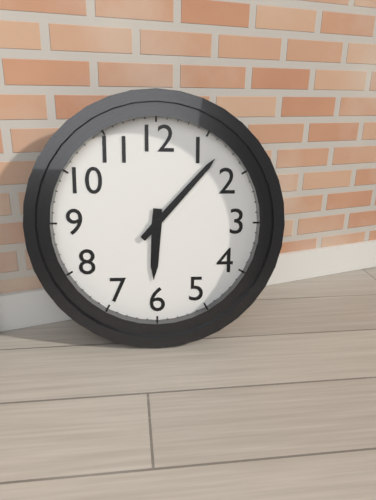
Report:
6h07
